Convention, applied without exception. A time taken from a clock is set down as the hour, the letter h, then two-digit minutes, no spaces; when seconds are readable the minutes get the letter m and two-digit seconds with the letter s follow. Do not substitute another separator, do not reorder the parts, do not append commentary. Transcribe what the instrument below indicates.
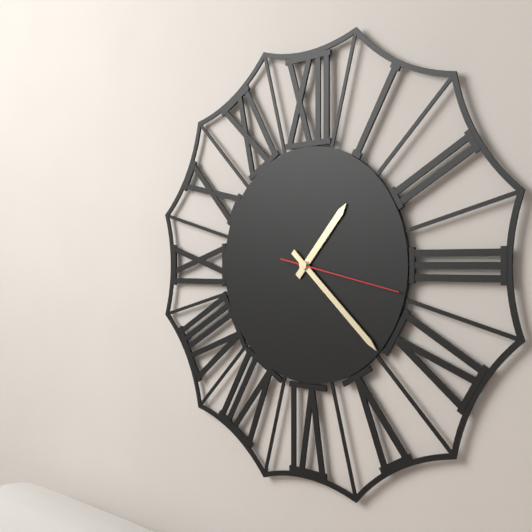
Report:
1h22m17s
